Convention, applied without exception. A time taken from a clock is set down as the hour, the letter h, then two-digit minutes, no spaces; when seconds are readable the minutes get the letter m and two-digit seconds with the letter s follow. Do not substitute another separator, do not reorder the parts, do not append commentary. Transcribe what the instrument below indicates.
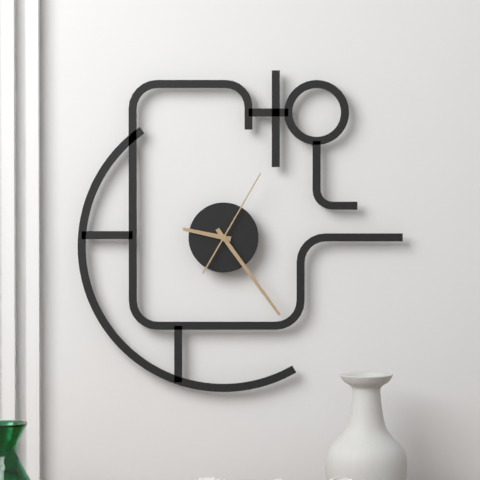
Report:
9h24m05s
